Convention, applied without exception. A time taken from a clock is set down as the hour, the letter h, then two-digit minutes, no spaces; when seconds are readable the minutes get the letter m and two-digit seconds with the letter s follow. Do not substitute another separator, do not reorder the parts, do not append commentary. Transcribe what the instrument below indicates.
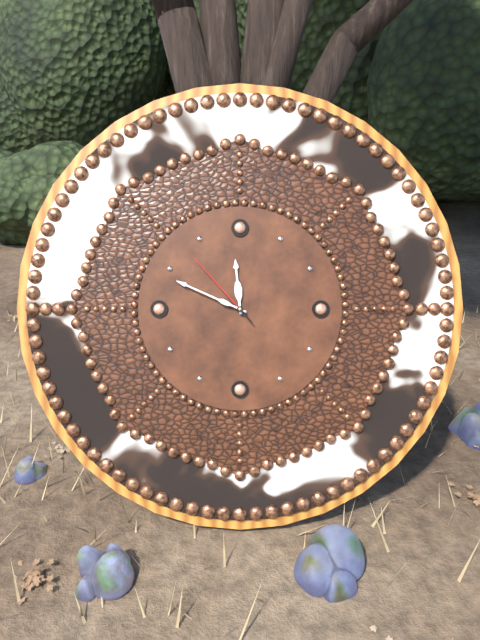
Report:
11h49m53s
